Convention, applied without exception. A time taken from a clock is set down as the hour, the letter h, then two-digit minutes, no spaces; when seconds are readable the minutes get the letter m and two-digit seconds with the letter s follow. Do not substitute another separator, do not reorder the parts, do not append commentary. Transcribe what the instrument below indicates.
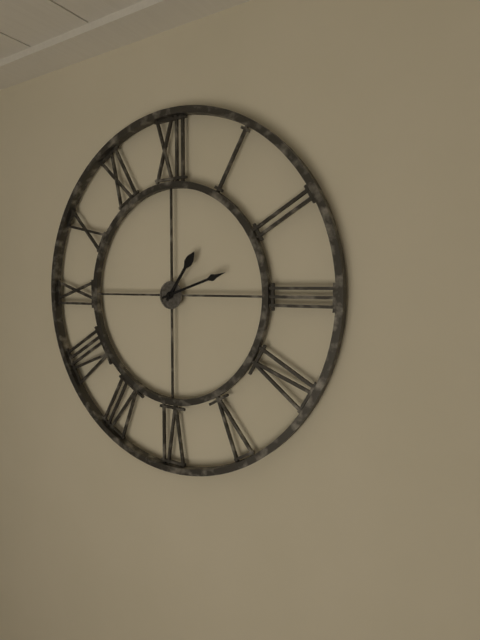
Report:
1h12
